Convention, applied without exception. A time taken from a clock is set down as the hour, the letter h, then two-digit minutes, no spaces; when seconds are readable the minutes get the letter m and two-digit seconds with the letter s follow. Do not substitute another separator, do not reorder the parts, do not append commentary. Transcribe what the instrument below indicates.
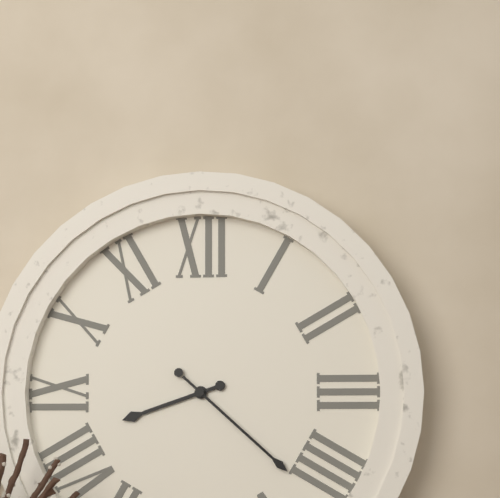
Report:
8h22
